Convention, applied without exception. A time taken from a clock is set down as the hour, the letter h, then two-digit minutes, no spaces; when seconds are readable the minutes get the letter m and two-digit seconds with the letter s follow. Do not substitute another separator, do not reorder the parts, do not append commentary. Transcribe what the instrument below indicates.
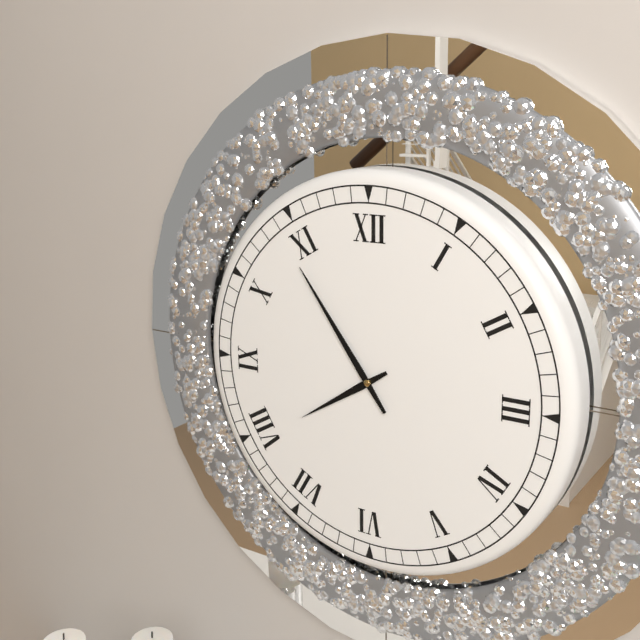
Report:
7h54
